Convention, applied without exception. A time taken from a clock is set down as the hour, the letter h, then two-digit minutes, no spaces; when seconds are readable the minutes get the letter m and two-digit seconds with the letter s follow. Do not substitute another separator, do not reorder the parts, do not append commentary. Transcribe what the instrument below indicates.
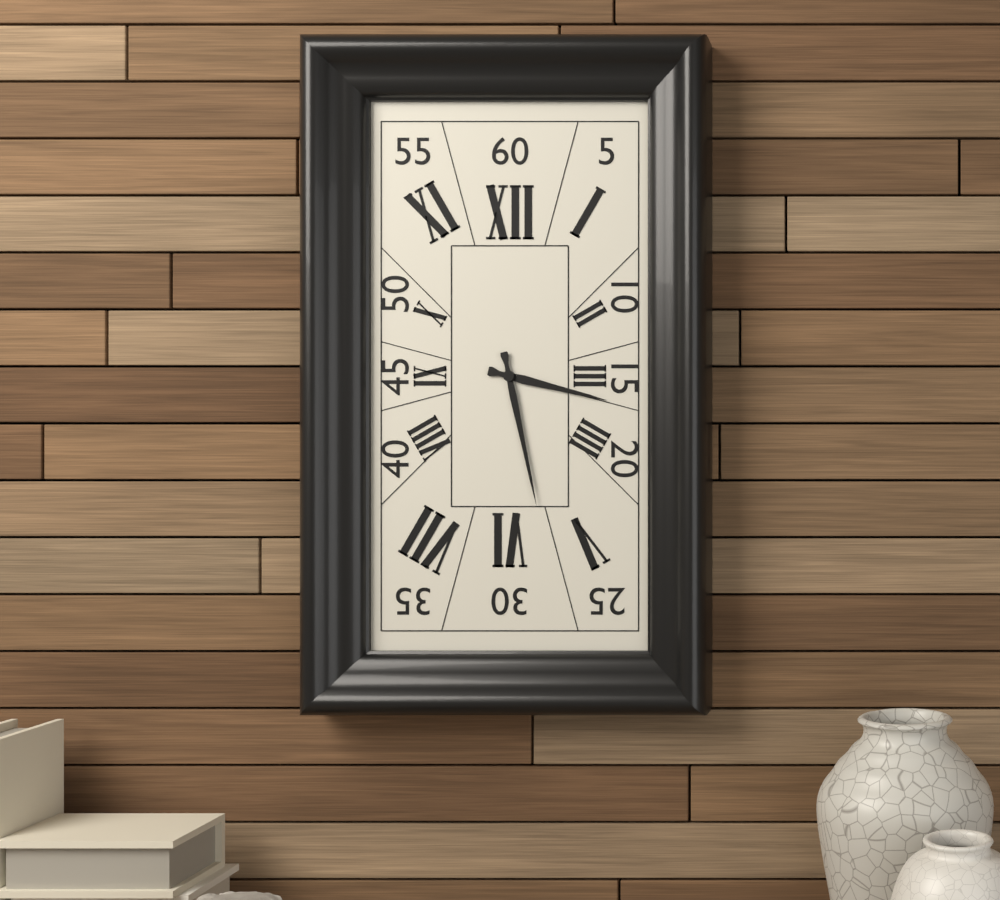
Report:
3h28
